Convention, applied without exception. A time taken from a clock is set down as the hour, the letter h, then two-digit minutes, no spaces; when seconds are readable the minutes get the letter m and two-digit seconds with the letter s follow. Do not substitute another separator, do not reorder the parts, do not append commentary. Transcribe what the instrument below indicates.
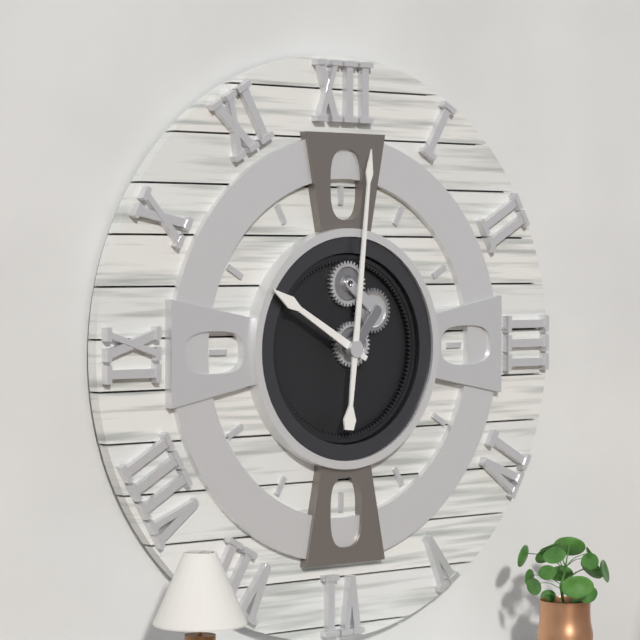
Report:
10h01
